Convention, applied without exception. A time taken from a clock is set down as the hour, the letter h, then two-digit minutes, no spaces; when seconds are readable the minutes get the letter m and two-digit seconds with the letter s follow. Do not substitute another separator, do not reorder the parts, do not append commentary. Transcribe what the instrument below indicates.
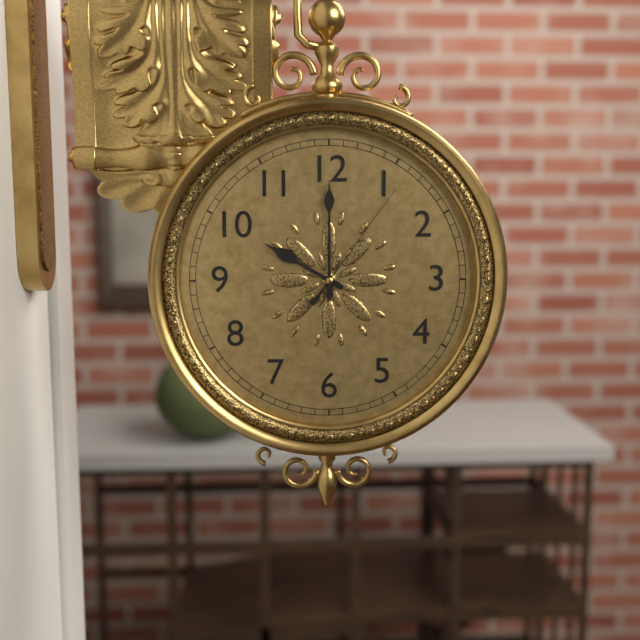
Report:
10h00m06s
